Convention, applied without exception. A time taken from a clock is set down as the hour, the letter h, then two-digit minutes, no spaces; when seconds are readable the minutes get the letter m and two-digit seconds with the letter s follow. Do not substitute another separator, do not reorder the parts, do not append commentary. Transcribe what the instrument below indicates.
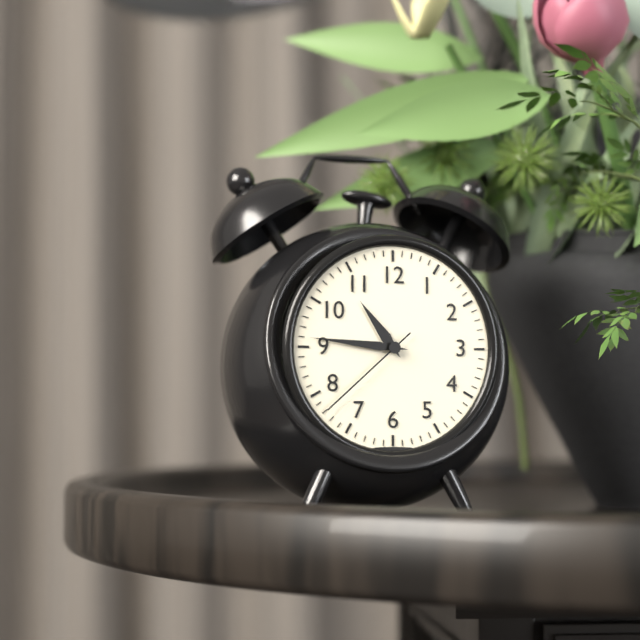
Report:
10h46m38s
